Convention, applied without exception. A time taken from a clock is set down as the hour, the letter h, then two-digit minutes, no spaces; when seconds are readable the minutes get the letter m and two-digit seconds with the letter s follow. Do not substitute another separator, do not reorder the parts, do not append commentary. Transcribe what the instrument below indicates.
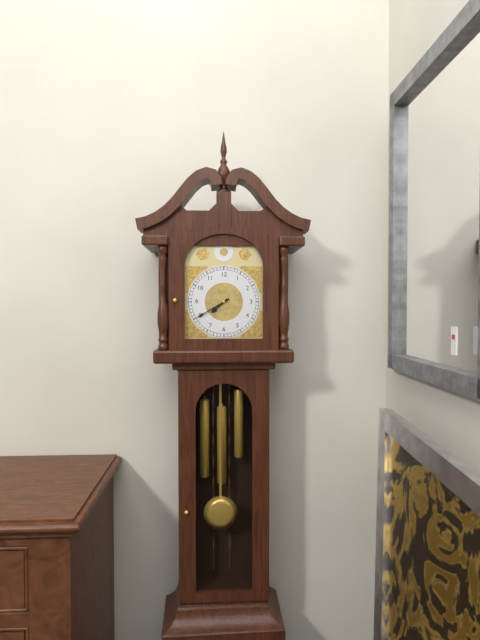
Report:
7h40
